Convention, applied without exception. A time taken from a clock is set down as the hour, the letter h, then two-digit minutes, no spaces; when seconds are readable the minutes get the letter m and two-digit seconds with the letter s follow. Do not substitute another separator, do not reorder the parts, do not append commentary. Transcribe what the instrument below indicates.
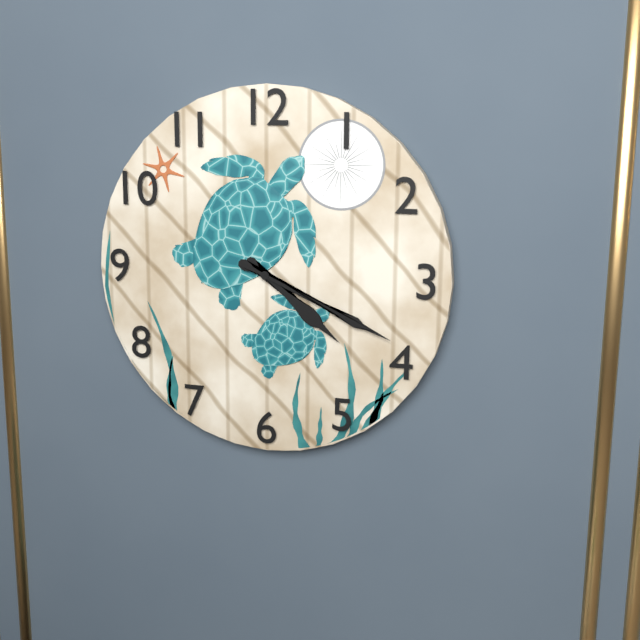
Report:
4h19
